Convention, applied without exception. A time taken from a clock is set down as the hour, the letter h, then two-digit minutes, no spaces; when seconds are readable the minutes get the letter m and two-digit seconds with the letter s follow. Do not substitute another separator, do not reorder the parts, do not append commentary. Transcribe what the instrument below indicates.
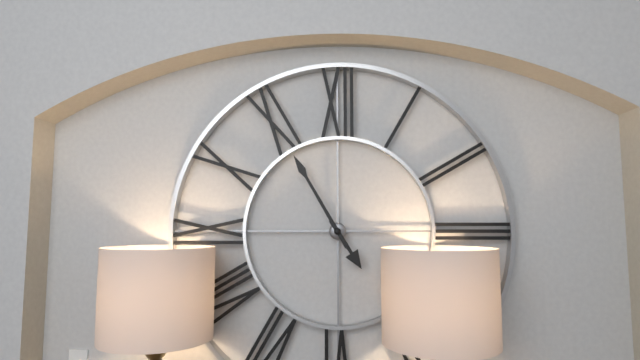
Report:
4h55
